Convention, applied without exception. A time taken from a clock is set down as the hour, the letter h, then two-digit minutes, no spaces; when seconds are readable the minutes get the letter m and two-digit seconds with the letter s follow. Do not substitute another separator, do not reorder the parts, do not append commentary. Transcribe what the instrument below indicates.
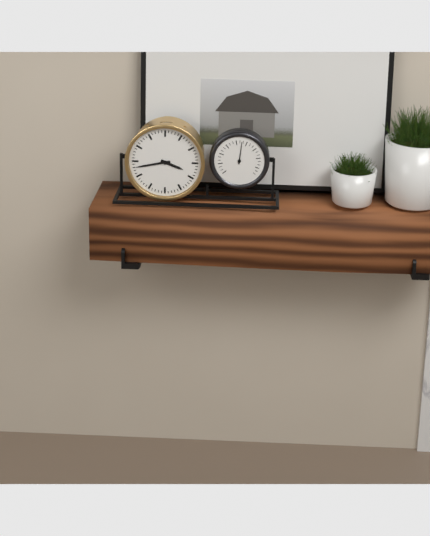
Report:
3h43
